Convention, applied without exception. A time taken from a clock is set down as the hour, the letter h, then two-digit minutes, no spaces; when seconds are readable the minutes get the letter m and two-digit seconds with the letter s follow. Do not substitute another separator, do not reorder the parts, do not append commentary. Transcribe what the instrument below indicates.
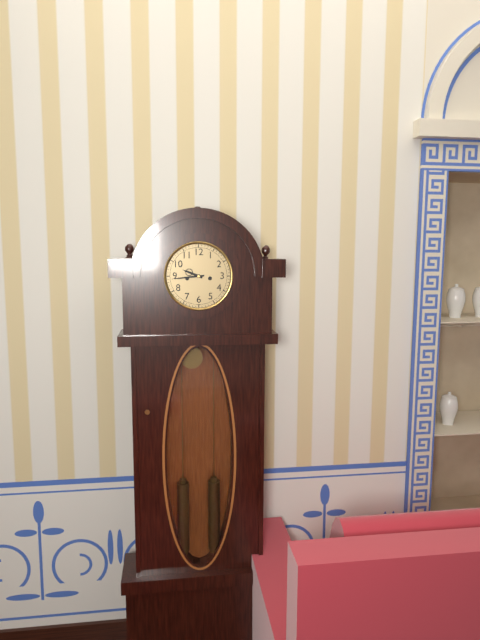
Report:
9h44
